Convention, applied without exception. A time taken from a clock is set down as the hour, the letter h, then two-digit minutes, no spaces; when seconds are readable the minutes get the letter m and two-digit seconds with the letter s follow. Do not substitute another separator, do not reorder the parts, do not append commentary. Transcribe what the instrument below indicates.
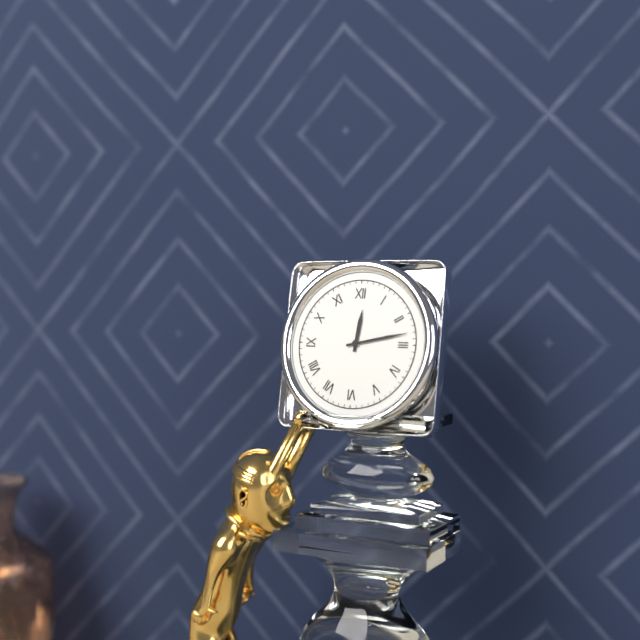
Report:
12h13
